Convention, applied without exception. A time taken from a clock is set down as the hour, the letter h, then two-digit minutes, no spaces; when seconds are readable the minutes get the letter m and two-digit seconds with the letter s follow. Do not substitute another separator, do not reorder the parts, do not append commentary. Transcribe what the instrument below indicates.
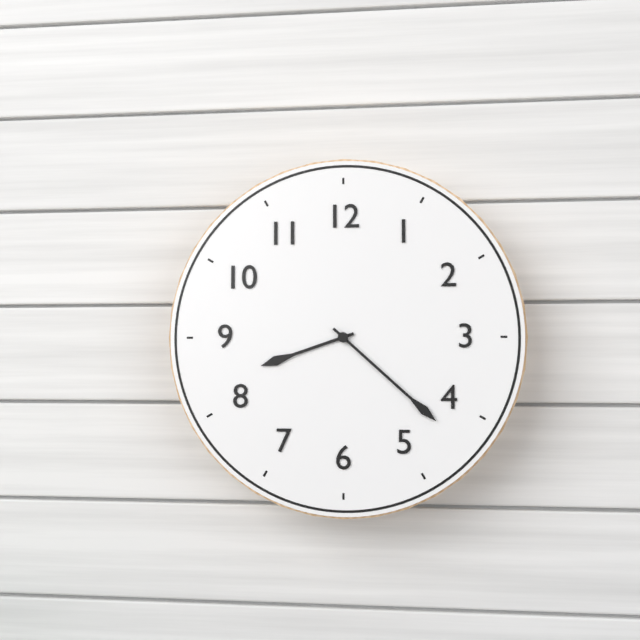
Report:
8h22
